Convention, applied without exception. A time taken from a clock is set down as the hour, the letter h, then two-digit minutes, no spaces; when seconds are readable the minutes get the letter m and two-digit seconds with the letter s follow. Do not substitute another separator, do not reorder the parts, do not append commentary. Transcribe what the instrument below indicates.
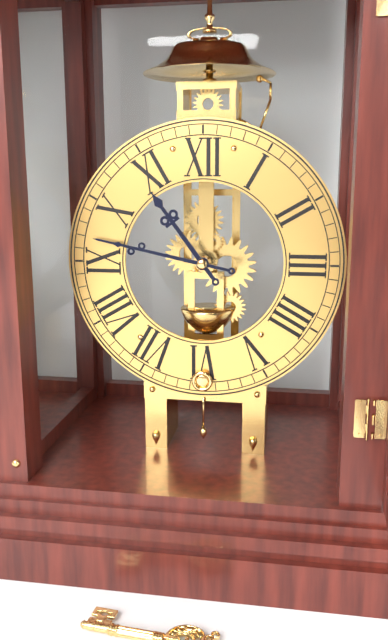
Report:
10h47
